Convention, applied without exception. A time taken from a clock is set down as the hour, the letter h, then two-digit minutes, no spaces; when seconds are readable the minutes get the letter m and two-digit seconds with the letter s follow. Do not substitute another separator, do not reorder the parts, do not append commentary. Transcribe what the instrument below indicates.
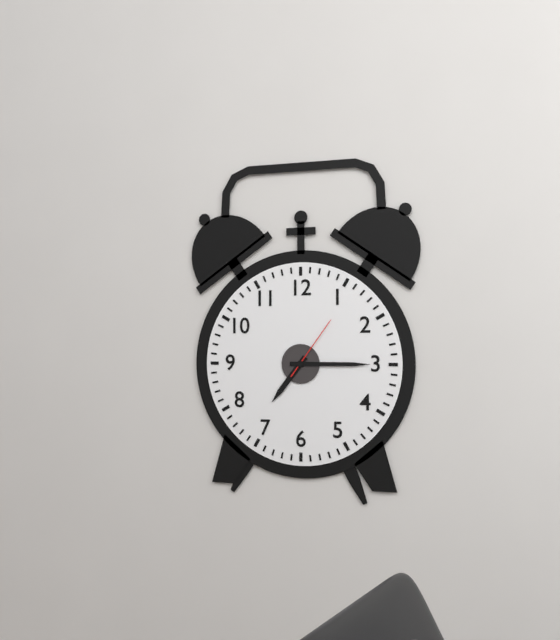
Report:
7h15m06s
